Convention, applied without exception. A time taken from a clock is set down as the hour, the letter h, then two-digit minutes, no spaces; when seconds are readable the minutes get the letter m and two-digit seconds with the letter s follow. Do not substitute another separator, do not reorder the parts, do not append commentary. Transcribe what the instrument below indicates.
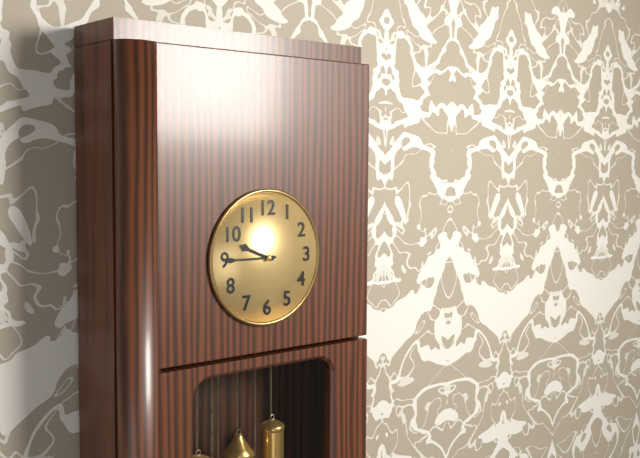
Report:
9h45
